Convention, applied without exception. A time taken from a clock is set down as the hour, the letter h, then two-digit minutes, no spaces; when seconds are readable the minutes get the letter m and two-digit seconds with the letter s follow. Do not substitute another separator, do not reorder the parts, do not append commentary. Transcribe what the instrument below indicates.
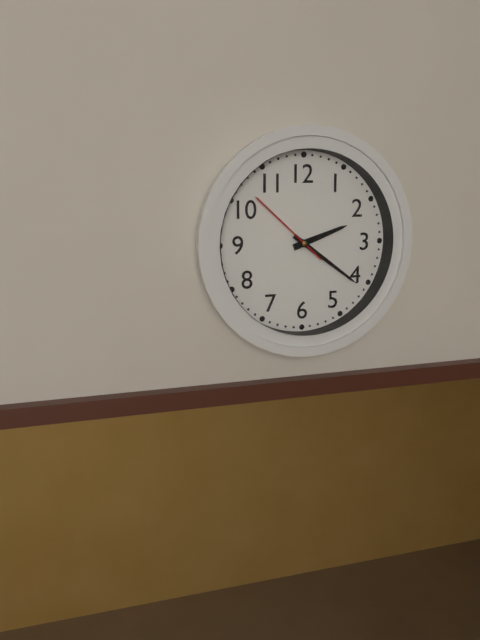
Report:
2h21m52s
